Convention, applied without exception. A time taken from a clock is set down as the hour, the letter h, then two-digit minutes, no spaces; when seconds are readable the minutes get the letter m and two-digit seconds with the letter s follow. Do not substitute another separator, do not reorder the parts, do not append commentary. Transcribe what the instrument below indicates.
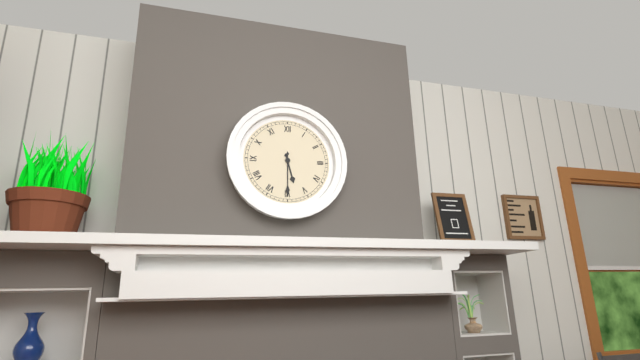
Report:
5h30
